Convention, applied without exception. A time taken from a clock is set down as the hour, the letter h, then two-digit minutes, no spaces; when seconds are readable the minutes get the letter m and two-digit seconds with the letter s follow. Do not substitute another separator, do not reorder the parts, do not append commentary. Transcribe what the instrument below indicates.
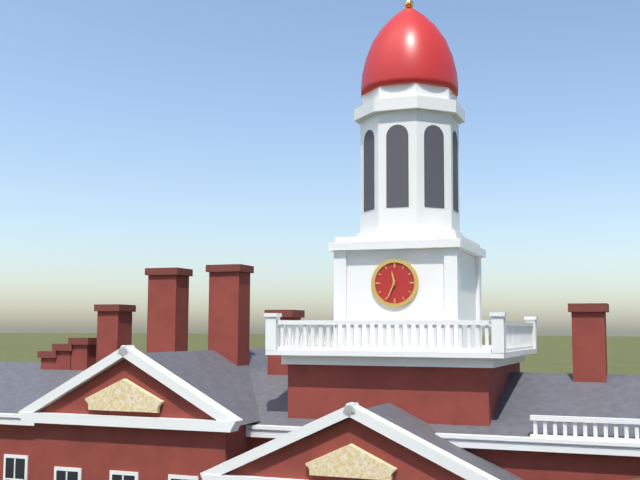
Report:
11h34
